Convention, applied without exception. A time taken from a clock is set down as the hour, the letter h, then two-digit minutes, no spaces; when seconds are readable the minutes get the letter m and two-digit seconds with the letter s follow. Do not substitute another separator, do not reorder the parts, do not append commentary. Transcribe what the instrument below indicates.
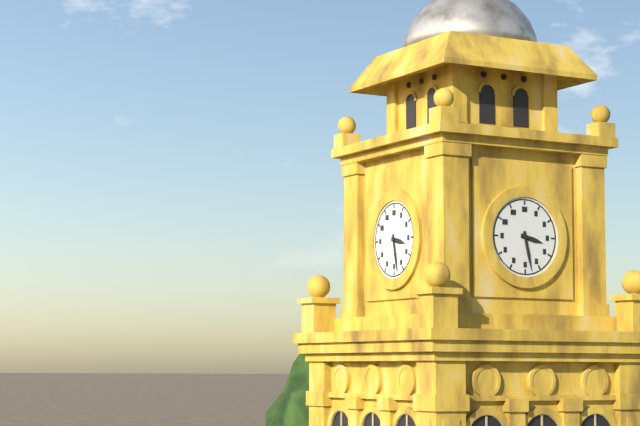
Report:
3h28
